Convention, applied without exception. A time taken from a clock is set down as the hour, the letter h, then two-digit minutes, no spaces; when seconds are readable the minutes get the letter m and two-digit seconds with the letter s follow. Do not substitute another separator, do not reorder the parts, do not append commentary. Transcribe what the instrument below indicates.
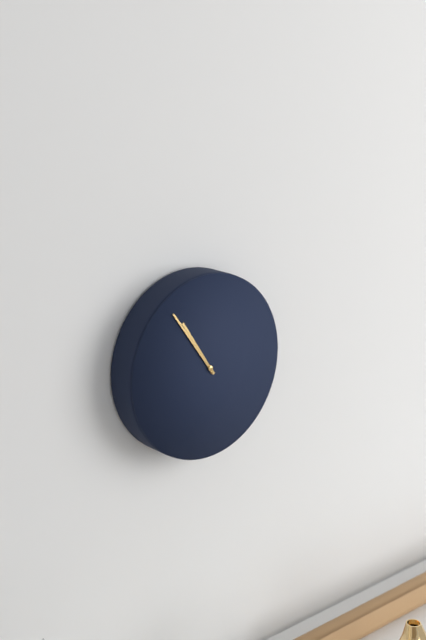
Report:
10h54
